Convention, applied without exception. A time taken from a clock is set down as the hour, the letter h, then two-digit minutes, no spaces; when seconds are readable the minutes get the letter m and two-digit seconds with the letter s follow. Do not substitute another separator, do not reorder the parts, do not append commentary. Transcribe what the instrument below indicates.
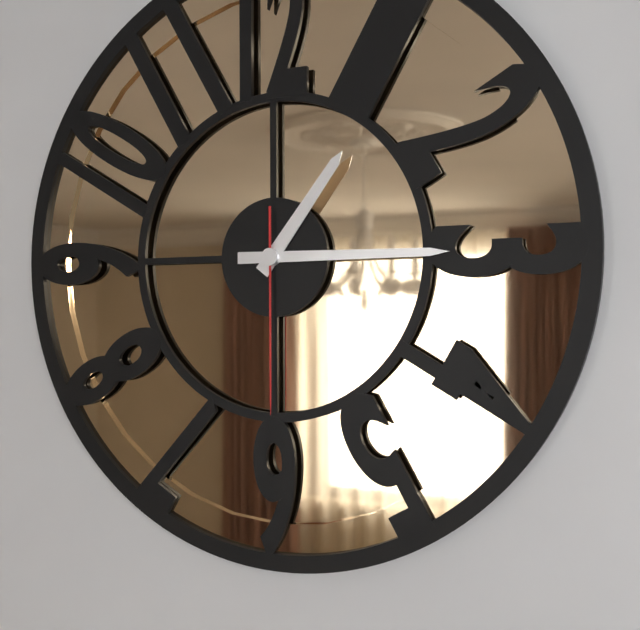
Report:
1h15m30s
